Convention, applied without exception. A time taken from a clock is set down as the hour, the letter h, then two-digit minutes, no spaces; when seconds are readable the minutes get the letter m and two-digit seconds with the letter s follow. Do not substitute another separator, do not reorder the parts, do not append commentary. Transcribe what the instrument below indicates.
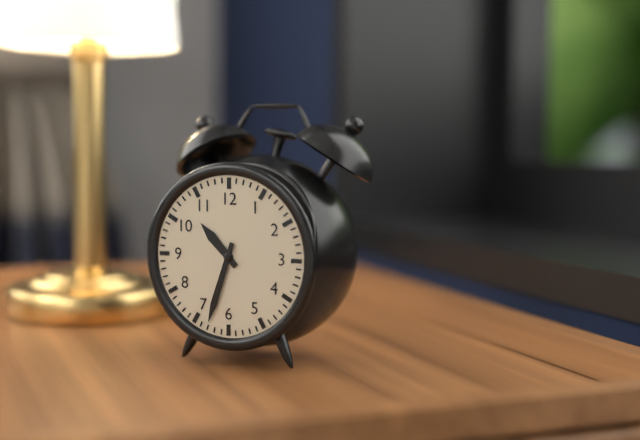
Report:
10h33
